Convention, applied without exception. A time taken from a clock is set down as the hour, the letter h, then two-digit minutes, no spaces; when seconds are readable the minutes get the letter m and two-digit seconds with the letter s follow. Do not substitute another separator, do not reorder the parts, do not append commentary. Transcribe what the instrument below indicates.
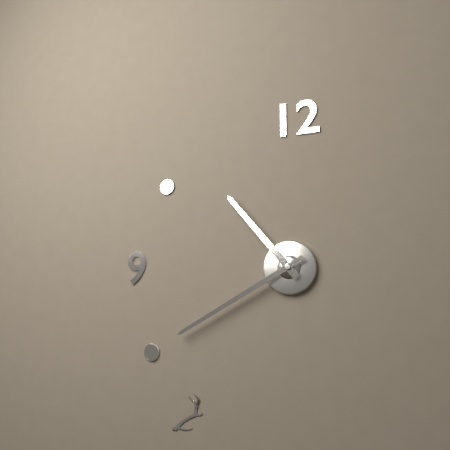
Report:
10h40
